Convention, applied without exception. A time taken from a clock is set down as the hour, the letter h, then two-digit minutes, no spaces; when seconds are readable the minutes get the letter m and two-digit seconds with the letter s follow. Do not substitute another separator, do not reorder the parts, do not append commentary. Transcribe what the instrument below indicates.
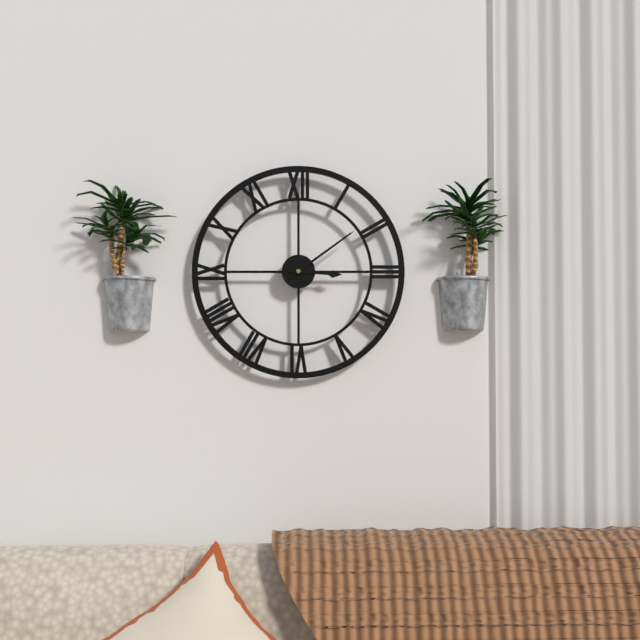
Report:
3h09
